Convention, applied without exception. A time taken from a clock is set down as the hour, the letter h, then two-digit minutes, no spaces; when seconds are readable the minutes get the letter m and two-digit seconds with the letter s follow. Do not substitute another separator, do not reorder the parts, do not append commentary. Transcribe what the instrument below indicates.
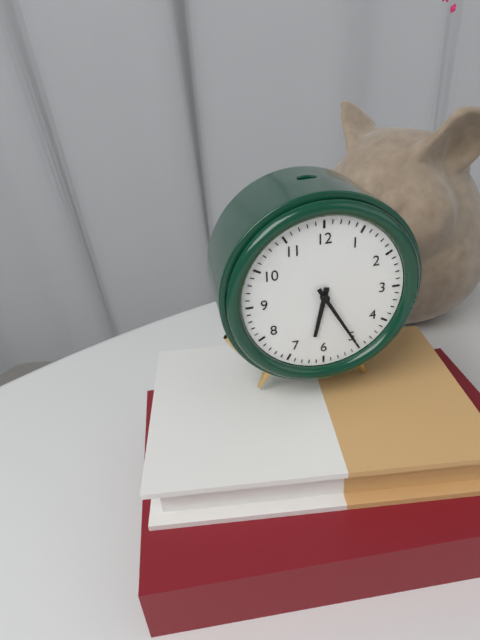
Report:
6h25
